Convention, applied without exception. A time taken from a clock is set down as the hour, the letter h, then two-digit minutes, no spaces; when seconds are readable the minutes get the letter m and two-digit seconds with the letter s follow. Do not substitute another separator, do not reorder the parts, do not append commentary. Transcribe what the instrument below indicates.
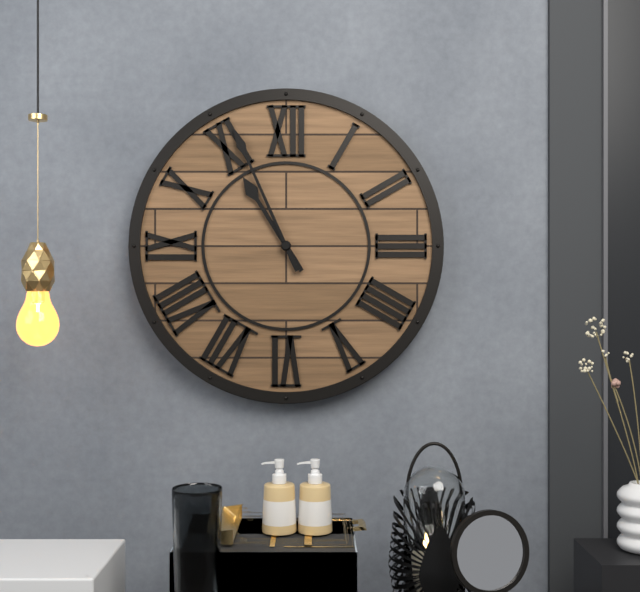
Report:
10h56
